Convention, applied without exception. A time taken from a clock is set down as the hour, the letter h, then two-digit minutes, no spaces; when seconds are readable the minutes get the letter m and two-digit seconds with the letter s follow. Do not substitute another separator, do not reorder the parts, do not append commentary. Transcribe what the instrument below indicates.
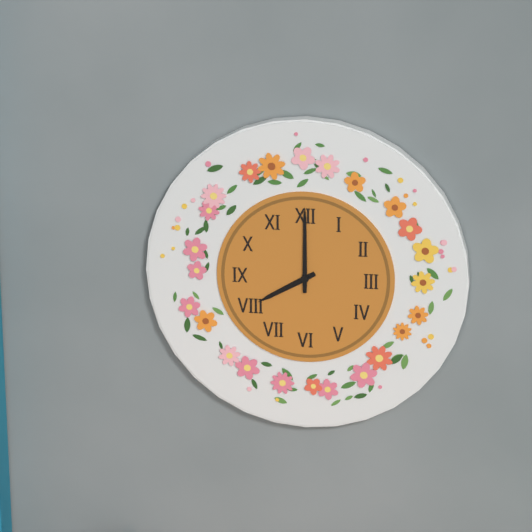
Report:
8h00
